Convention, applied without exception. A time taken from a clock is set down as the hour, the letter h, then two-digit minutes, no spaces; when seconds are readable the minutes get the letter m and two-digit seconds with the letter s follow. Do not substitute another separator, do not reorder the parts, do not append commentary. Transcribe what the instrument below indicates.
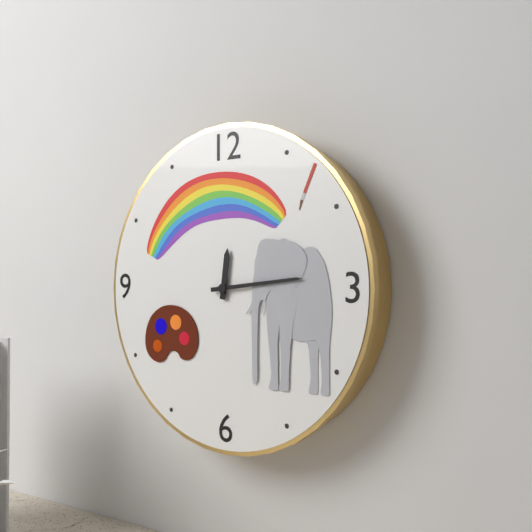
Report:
12h14
